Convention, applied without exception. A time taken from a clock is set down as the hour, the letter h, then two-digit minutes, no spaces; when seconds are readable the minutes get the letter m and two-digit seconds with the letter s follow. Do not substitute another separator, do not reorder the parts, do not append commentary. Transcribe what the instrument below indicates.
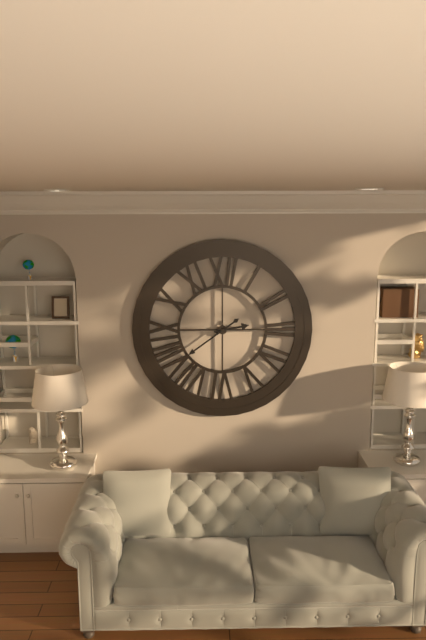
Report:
2h39
